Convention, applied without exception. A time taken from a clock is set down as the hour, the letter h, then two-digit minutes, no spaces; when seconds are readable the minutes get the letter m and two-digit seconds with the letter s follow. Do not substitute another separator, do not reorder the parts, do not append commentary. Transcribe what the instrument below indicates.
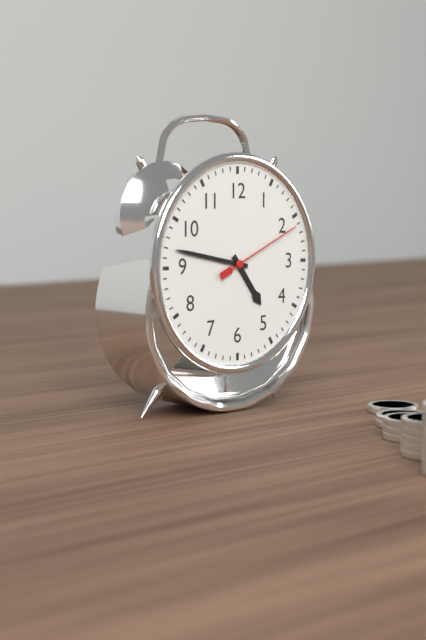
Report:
4h47m11s
